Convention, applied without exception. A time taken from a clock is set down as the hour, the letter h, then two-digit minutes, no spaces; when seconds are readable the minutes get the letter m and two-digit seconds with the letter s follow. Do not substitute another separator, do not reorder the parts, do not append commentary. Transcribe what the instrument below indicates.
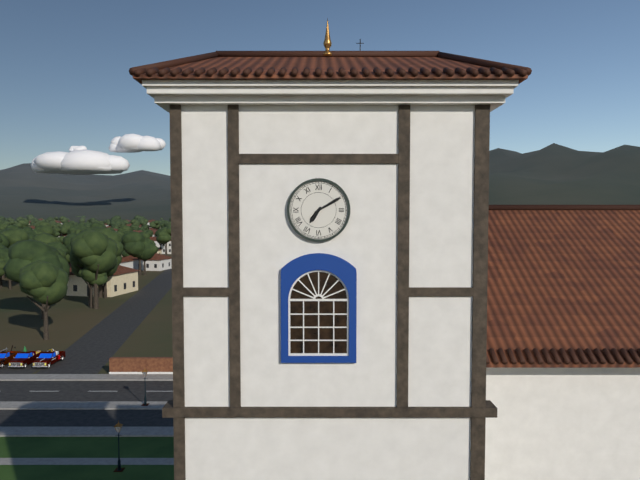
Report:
7h10
